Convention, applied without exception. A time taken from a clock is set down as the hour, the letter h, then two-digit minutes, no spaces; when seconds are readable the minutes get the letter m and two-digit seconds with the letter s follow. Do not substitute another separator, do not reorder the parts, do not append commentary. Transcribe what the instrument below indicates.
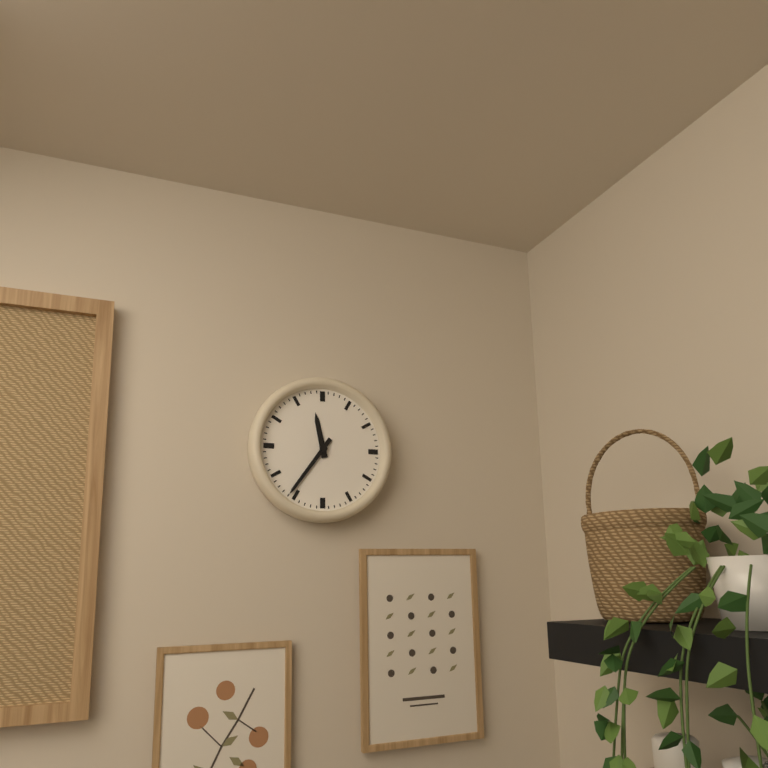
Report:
11h36
